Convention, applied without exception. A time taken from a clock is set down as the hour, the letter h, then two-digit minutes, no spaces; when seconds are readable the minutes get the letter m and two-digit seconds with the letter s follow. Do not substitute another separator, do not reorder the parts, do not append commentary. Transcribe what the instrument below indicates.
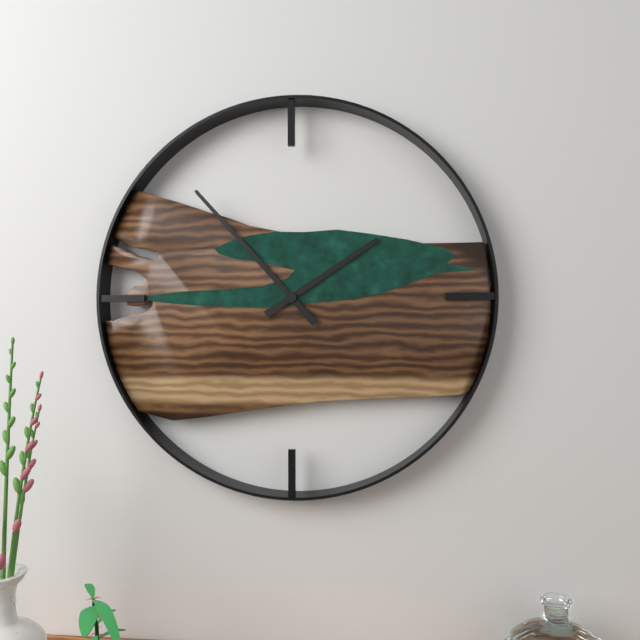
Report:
1h53
